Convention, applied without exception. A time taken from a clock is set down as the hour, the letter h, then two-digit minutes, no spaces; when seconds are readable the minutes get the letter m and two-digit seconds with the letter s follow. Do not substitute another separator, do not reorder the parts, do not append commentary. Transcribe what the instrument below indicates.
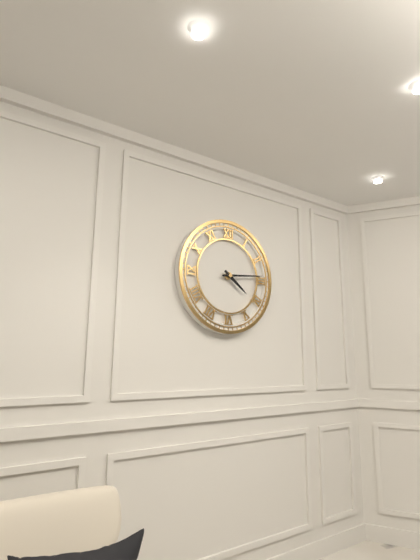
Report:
4h14
